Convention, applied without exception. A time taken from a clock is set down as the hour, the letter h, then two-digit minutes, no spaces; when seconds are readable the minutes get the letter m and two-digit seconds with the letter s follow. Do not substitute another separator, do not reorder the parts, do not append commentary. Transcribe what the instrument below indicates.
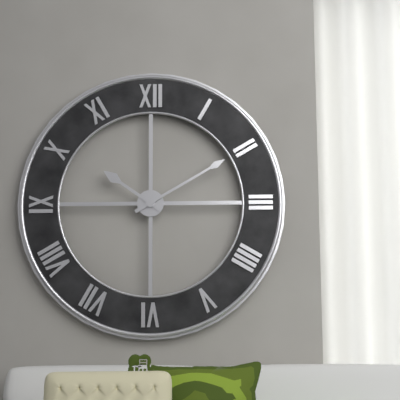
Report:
10h10
